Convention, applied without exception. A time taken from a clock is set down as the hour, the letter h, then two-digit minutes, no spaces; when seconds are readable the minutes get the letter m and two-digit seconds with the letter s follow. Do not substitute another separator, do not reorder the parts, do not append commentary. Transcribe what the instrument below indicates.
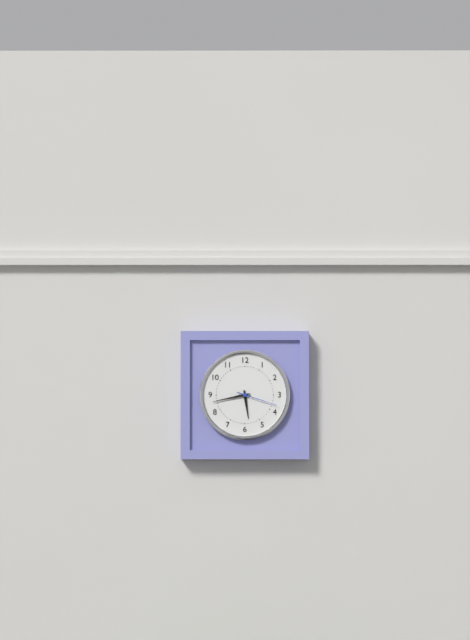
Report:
5h43
